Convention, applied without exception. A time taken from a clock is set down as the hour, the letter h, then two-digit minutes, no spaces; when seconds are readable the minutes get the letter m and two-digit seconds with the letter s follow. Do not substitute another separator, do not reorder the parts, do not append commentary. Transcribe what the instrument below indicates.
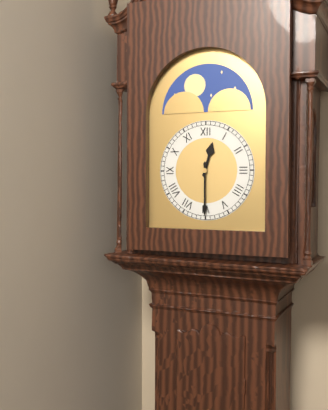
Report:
12h30
